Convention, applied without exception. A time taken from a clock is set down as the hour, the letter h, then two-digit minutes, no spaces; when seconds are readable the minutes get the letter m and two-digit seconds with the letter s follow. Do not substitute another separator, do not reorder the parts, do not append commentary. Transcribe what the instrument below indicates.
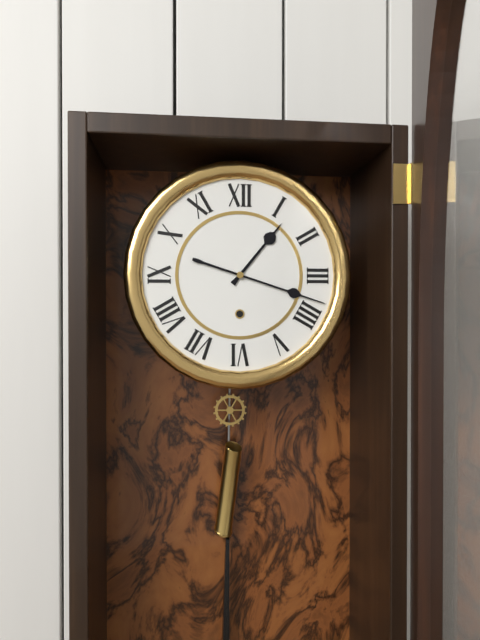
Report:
1h18
